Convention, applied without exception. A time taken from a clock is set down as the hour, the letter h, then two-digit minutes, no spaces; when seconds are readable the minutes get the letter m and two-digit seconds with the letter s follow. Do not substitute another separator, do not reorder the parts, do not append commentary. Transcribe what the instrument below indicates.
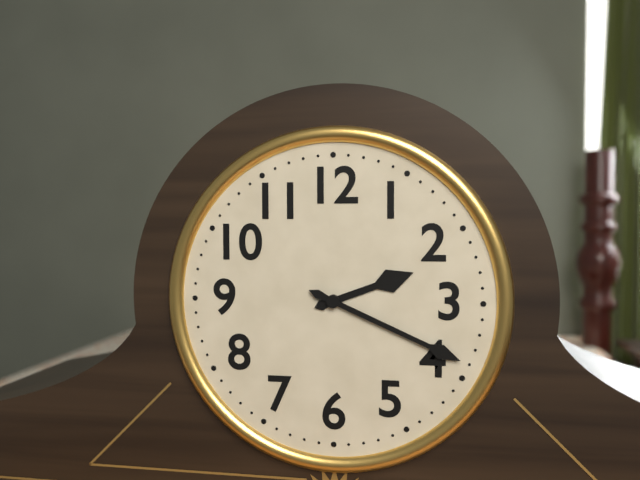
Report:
2h19
